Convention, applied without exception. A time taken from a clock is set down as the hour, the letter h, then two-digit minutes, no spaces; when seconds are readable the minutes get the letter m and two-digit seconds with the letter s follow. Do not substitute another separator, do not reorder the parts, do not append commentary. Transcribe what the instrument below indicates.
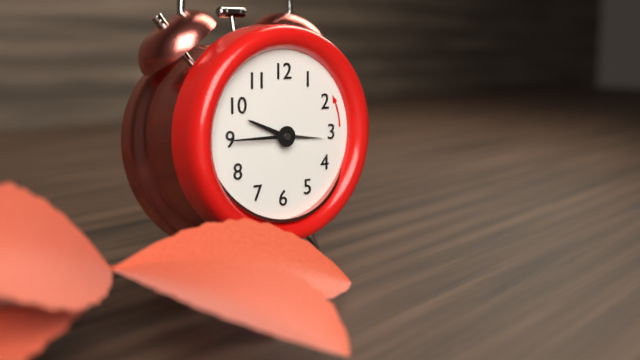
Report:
9h45m16s
